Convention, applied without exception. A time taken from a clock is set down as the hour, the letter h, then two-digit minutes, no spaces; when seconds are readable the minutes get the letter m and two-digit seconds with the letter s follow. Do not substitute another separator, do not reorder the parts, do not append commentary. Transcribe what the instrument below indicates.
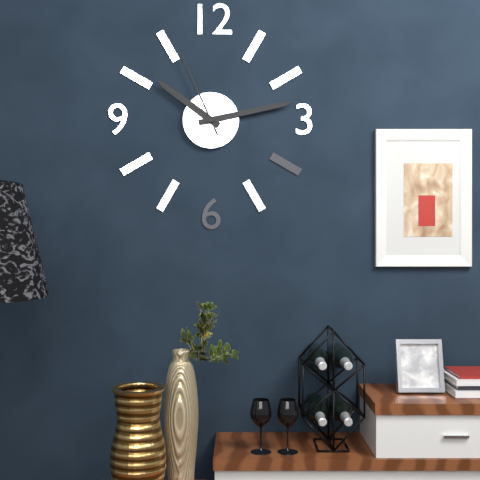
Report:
10h13m56s
